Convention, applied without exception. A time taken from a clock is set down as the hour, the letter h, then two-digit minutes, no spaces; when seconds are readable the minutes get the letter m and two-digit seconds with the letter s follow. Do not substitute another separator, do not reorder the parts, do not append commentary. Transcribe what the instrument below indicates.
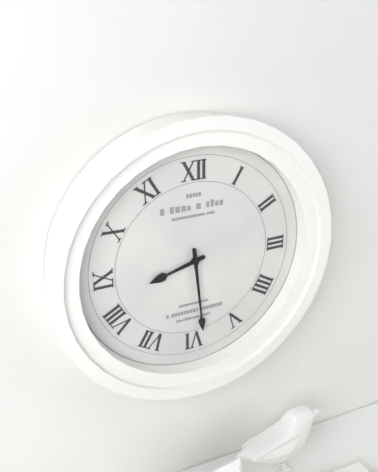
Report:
8h29
